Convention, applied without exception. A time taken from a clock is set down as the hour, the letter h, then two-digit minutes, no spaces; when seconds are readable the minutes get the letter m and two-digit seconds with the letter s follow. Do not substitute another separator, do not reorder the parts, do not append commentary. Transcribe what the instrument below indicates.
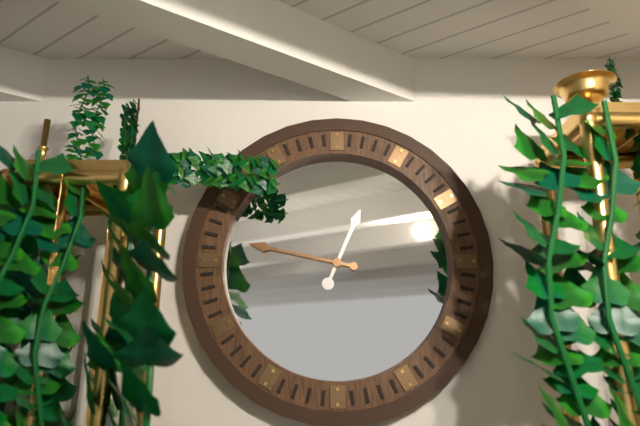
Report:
12h47
